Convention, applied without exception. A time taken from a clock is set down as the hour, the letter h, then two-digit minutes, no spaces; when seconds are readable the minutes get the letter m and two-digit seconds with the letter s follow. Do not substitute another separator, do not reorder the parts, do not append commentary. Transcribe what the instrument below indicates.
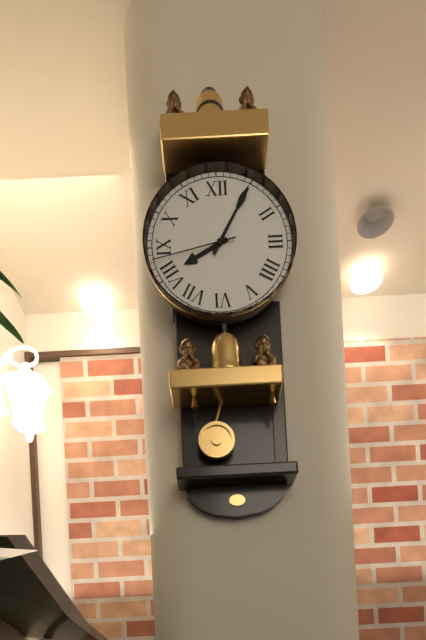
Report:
8h05m43s
